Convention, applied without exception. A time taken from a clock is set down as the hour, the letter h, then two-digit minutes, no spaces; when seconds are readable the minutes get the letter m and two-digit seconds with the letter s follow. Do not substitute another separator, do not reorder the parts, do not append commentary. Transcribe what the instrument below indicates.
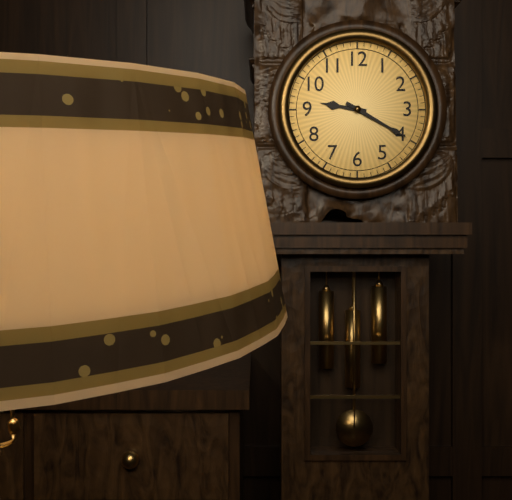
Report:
9h20
